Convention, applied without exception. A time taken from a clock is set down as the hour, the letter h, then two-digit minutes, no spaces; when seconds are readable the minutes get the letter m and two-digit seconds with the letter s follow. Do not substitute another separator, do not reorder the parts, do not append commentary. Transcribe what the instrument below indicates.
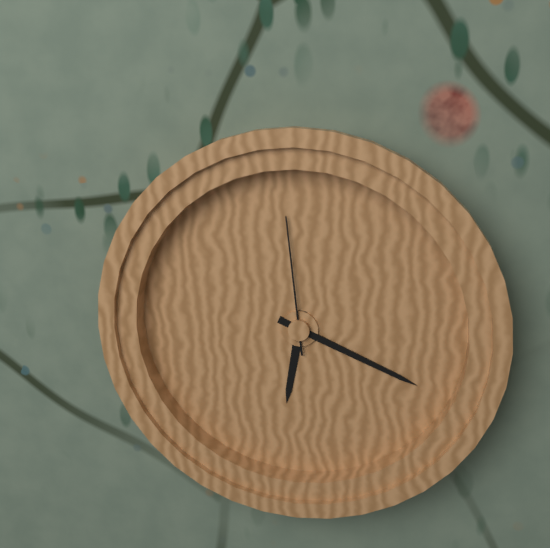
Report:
6h19m59s
